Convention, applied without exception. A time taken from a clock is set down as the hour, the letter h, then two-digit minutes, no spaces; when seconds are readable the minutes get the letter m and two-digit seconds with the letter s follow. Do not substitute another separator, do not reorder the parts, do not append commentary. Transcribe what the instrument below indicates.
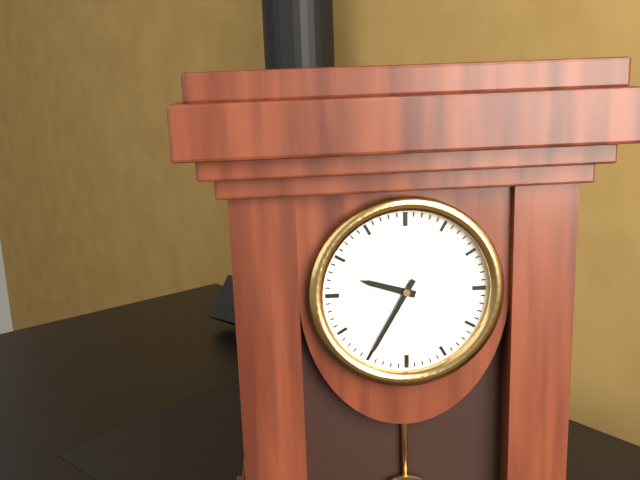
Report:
9h35
